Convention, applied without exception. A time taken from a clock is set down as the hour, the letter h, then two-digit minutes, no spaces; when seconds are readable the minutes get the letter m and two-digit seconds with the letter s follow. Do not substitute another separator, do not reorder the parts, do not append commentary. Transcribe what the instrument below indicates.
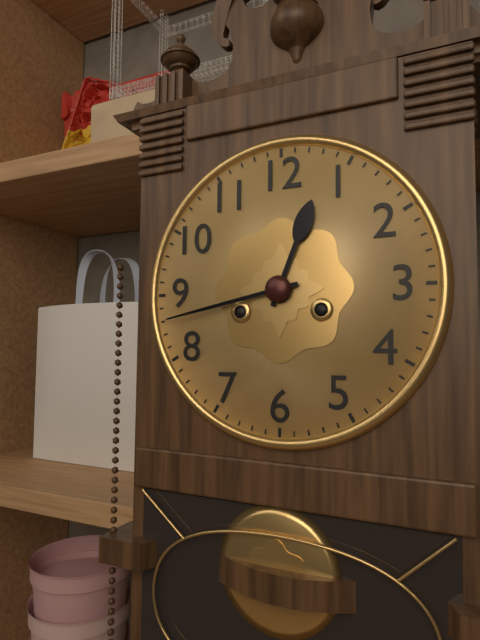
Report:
12h43
